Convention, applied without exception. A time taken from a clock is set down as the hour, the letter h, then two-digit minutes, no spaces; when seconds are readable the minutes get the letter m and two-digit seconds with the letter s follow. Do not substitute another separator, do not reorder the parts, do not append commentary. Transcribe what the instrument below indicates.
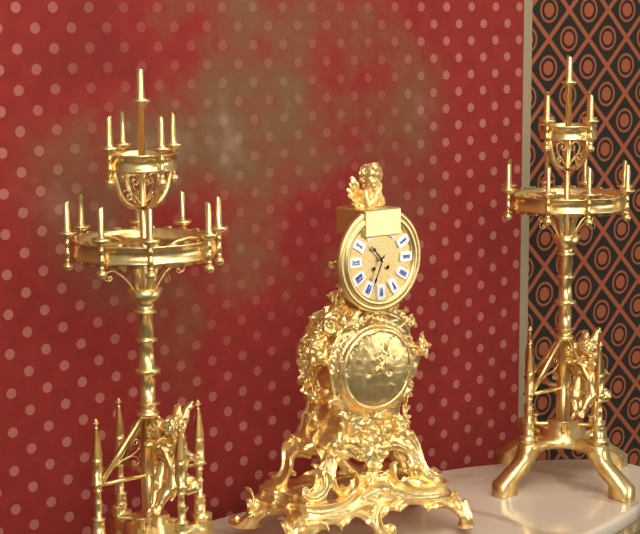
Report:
10h34
